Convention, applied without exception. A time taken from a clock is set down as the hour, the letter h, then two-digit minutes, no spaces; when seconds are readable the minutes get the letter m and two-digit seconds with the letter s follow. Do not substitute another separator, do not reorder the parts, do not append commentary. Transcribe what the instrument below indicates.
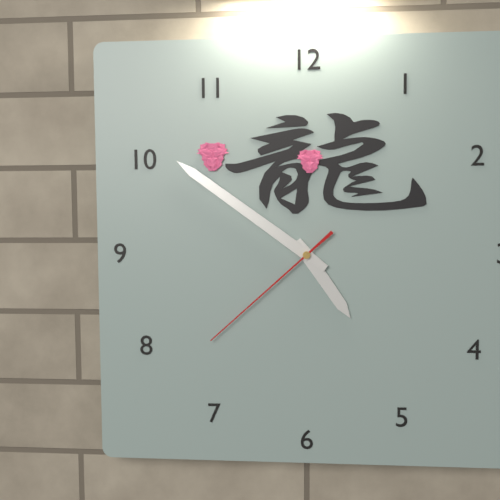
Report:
4h51m38s
